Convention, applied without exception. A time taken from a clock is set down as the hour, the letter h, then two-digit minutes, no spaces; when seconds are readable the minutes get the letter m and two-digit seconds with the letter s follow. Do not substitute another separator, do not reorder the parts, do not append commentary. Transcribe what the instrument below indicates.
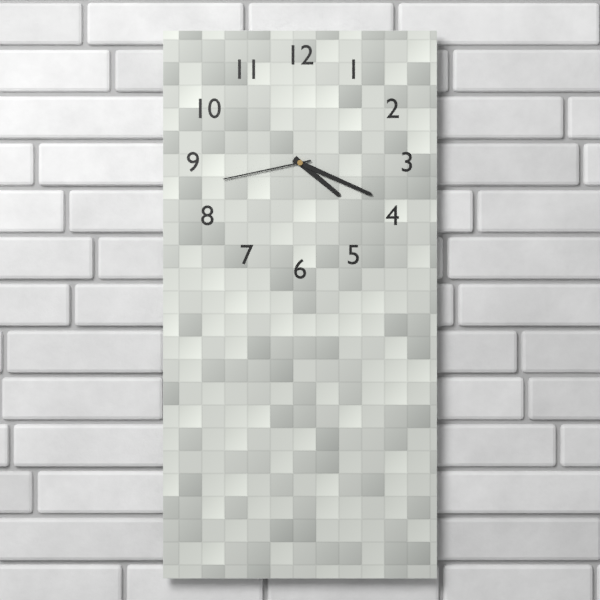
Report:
4h19m43s
